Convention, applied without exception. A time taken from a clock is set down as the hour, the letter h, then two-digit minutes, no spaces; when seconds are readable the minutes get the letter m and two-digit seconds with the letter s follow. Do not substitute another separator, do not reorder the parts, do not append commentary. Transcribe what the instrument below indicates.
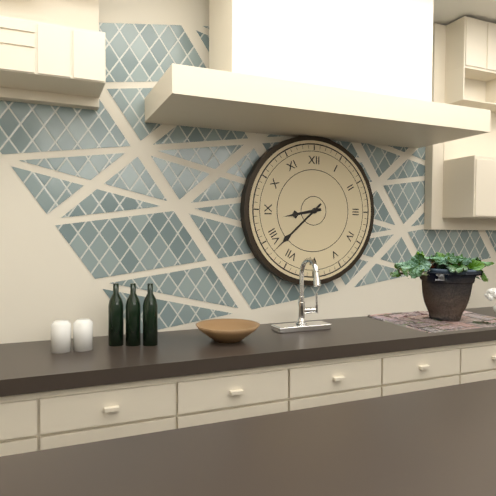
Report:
8h38
